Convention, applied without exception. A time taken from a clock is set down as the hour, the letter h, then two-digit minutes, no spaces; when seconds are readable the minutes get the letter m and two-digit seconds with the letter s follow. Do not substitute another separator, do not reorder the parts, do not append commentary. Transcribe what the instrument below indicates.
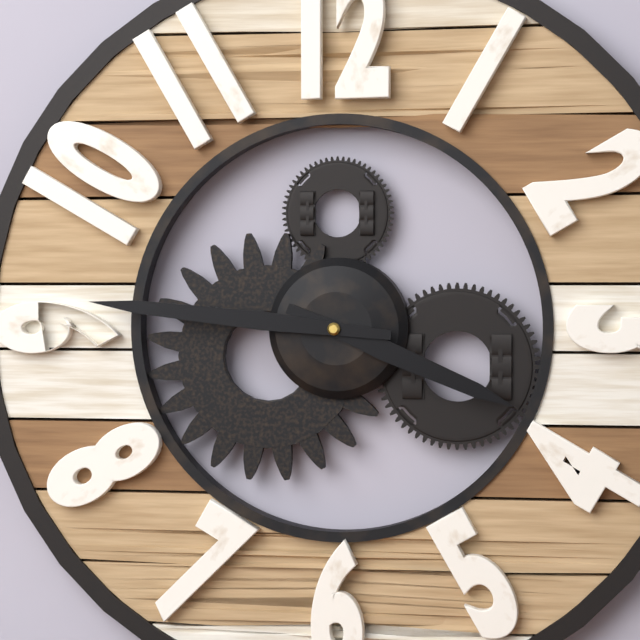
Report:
3h46
